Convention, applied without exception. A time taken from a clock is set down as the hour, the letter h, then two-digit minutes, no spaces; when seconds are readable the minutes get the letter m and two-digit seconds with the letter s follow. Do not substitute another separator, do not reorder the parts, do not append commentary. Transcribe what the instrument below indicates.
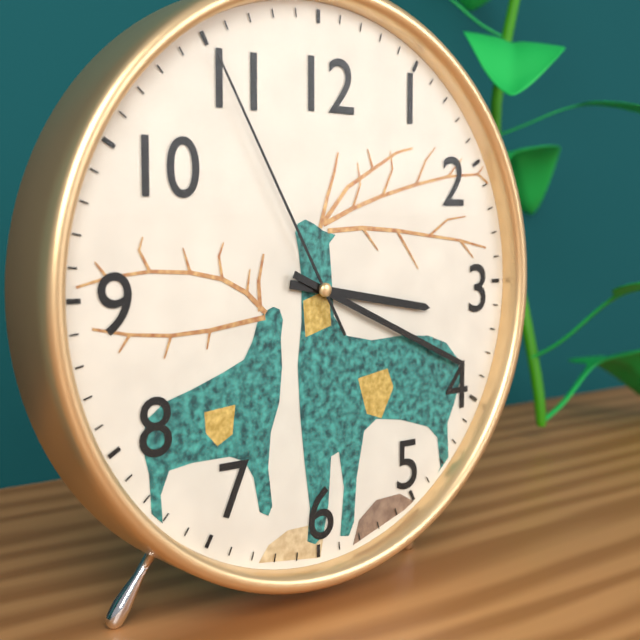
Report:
3h19m55s
